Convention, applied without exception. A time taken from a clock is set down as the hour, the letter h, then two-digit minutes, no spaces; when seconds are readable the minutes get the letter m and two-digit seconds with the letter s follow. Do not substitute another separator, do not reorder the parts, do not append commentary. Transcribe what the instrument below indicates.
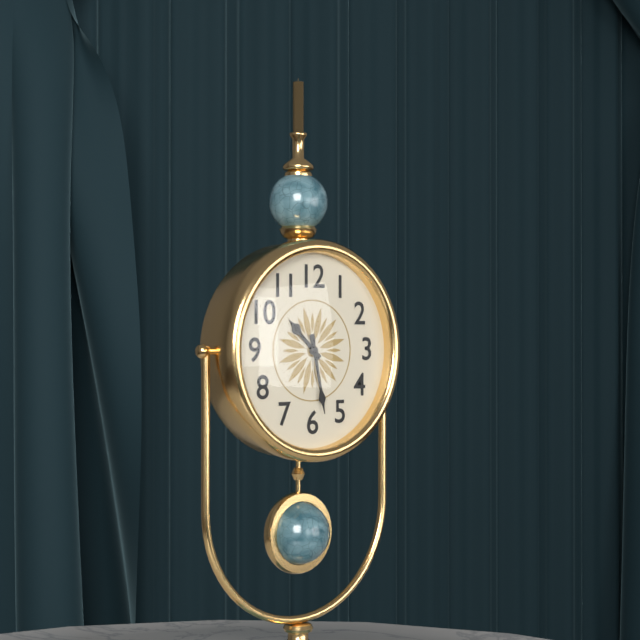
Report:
10h28
